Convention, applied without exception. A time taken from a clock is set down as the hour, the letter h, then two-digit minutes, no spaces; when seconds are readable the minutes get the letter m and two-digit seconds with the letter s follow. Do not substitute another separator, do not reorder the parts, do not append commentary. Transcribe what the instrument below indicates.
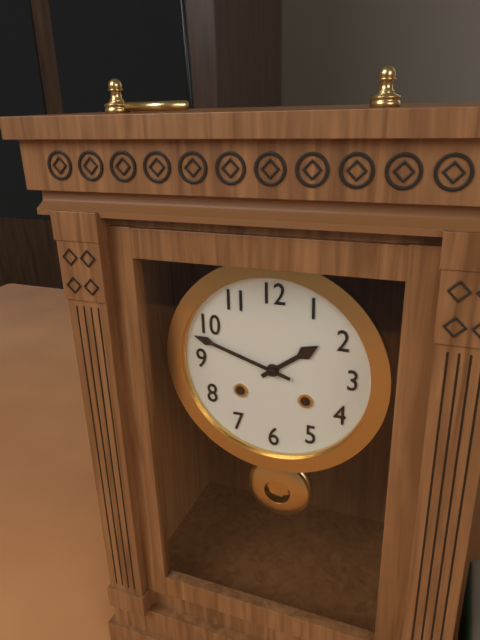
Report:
1h48
